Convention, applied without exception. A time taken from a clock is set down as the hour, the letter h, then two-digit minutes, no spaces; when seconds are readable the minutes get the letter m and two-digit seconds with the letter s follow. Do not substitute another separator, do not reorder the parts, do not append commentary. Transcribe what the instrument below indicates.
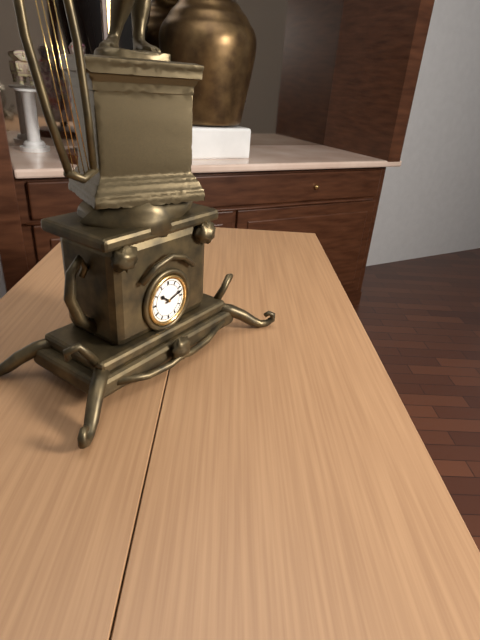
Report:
10h12
